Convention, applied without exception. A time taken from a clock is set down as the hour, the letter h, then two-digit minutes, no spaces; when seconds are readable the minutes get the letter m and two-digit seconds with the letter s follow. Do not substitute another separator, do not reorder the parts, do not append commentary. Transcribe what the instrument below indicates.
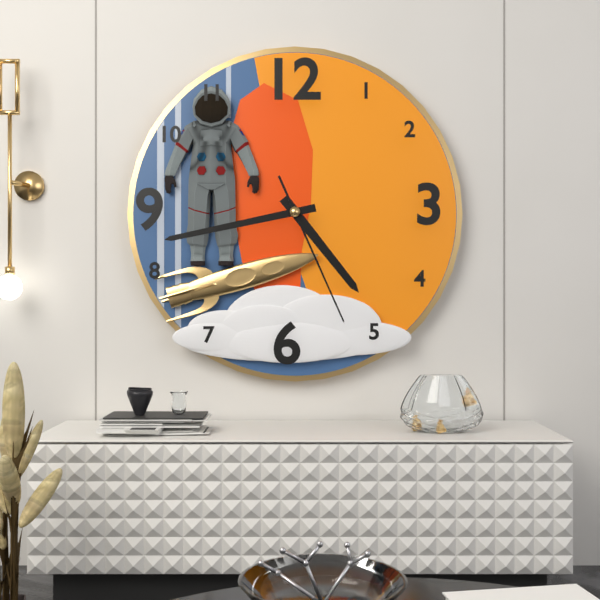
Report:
4h43m26s
